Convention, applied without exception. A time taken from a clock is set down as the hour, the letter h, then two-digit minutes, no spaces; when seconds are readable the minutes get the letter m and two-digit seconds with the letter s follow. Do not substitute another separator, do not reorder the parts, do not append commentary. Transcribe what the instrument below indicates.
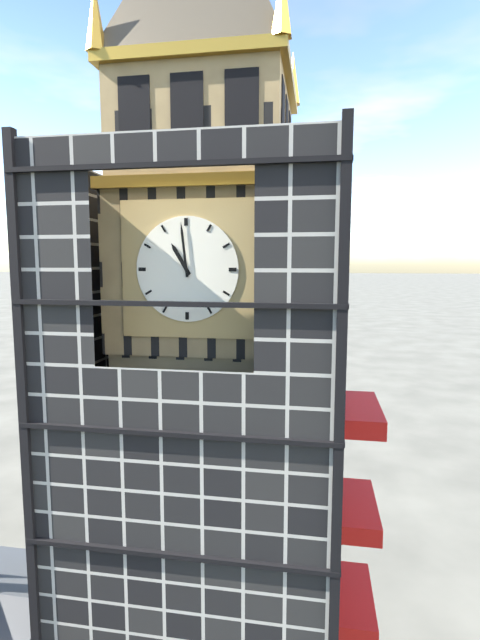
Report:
10h59
